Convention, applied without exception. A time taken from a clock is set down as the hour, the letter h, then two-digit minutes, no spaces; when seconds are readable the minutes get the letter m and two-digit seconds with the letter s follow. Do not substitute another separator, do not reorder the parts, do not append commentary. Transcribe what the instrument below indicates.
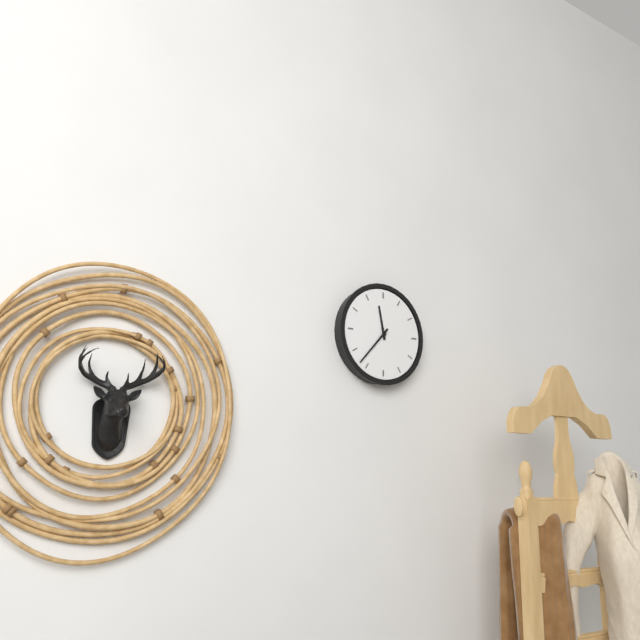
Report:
11h37
